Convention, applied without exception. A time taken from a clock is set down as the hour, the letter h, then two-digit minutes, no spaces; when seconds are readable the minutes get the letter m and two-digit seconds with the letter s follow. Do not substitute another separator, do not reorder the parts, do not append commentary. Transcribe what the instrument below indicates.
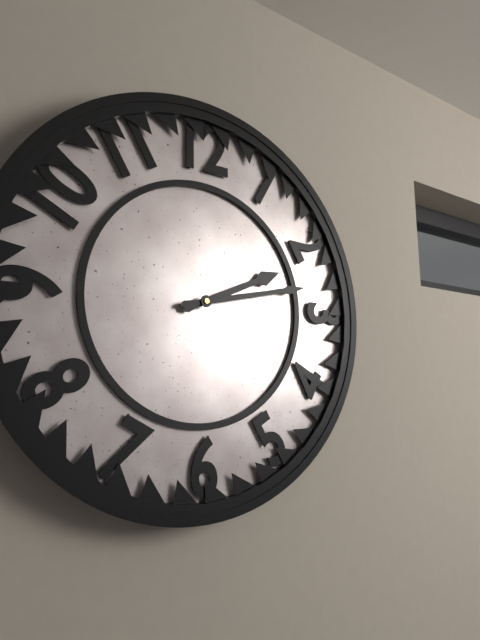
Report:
2h13
